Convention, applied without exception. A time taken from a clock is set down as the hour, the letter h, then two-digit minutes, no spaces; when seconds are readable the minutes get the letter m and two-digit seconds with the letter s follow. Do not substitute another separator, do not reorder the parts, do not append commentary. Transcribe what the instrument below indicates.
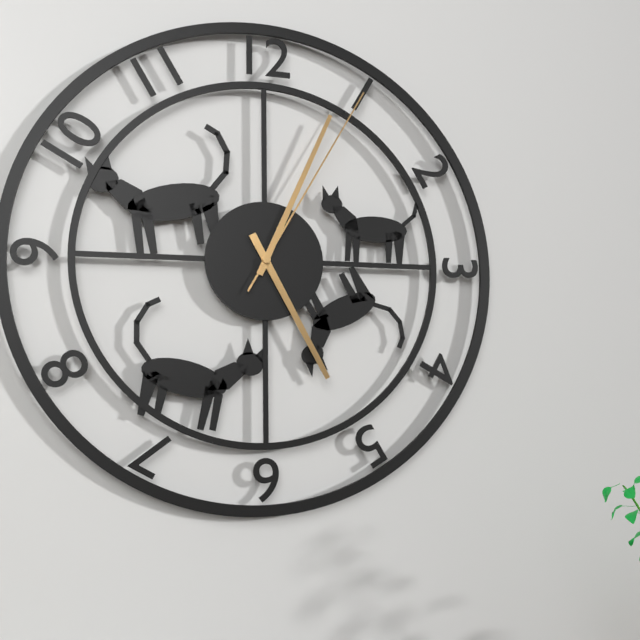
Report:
5h04m05s
